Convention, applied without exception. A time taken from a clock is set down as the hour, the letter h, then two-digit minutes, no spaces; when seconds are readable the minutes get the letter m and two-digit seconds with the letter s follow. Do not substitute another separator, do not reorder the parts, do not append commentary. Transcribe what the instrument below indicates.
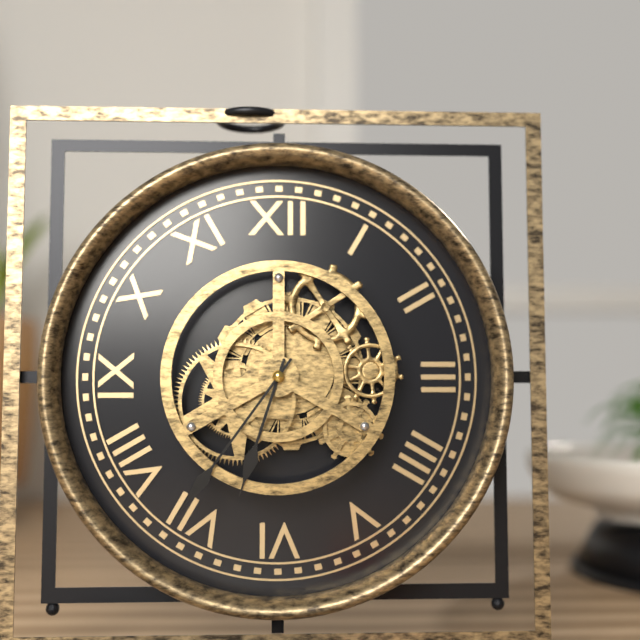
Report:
6h36
